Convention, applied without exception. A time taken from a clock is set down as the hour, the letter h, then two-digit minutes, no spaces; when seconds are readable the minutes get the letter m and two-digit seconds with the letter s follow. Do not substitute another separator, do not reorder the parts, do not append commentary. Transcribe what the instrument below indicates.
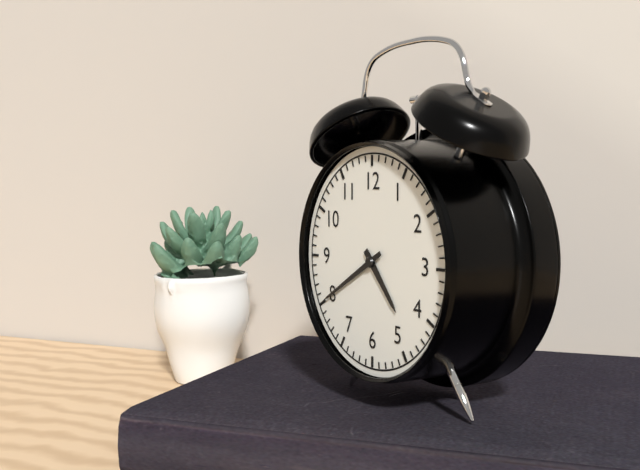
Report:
4h40
